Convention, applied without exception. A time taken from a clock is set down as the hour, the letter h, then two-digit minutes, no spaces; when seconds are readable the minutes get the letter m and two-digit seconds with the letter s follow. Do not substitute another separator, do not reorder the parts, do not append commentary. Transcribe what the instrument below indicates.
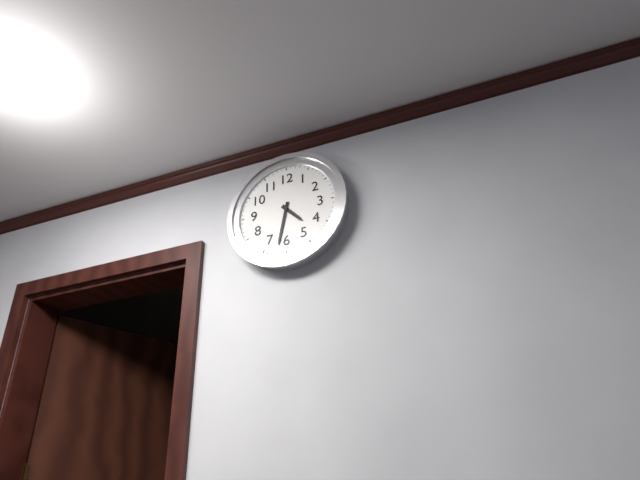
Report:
4h32
